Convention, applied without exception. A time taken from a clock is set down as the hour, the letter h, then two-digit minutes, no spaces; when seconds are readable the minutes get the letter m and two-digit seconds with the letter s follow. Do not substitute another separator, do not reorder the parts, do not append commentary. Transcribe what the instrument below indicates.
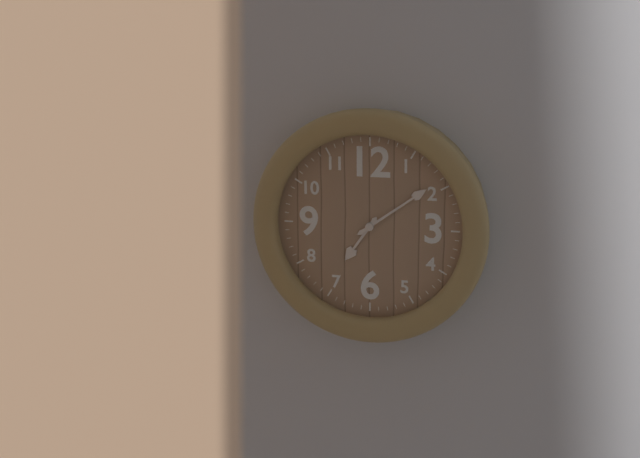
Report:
7h09
